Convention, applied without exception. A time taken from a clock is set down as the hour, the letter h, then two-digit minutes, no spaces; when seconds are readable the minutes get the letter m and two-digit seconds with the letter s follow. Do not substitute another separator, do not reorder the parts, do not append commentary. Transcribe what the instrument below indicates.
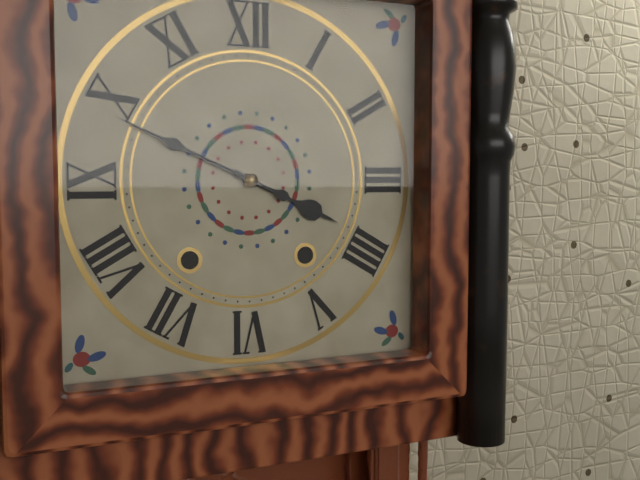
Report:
3h49
